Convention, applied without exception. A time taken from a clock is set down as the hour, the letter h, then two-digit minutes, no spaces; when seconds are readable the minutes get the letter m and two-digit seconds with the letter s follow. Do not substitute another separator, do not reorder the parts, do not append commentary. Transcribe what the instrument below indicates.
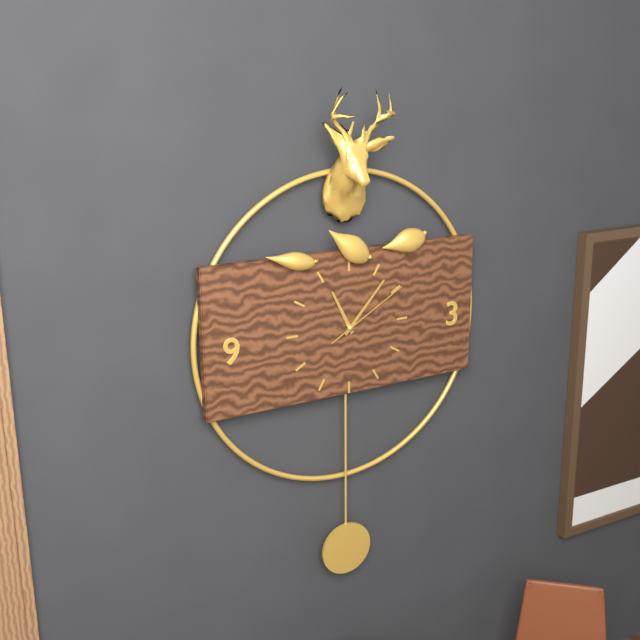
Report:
11h07m10s
